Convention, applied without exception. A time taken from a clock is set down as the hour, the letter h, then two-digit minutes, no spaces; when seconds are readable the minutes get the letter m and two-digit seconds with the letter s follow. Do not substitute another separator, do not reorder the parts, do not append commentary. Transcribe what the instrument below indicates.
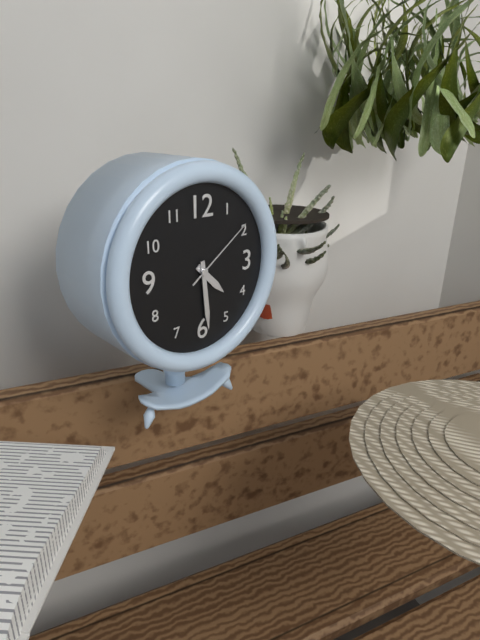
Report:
4h29m09s
